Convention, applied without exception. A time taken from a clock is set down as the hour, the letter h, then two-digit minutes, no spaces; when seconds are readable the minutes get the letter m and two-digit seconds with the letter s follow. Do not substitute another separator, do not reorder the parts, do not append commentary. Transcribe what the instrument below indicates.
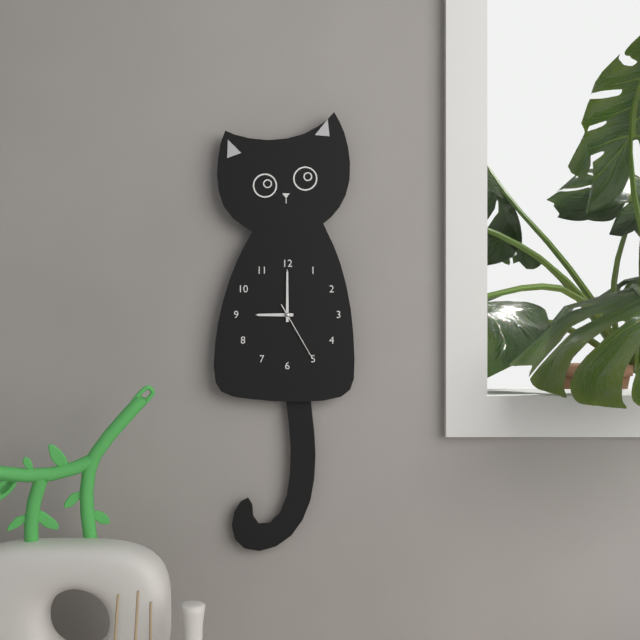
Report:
9h00m25s
